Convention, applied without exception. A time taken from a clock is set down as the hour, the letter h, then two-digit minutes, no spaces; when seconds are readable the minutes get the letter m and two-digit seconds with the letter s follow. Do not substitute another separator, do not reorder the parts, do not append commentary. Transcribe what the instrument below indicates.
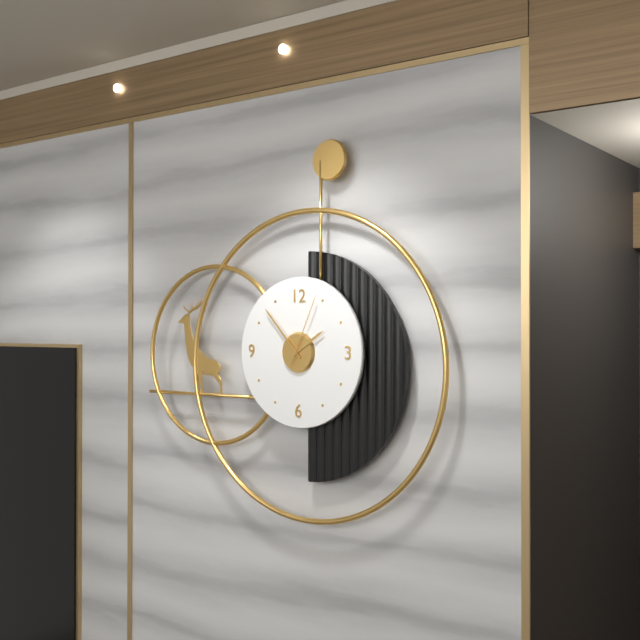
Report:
1h53m04s
